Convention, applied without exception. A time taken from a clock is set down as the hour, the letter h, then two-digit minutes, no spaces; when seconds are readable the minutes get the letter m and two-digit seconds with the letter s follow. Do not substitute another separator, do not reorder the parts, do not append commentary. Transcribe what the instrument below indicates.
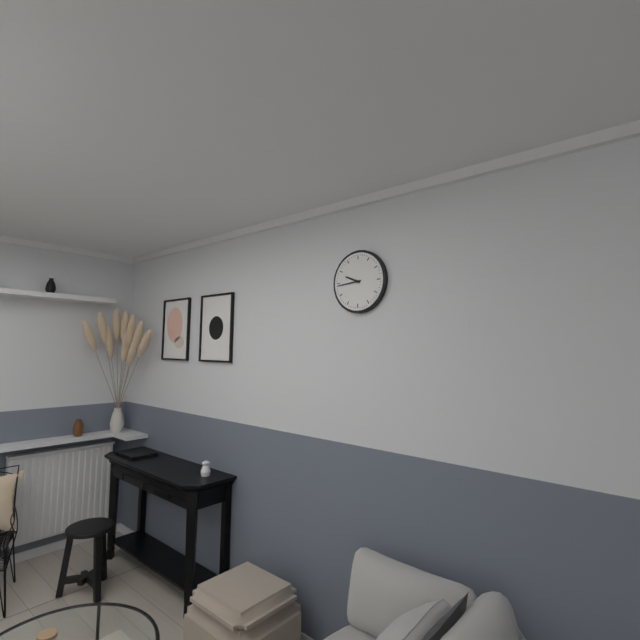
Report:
9h44
